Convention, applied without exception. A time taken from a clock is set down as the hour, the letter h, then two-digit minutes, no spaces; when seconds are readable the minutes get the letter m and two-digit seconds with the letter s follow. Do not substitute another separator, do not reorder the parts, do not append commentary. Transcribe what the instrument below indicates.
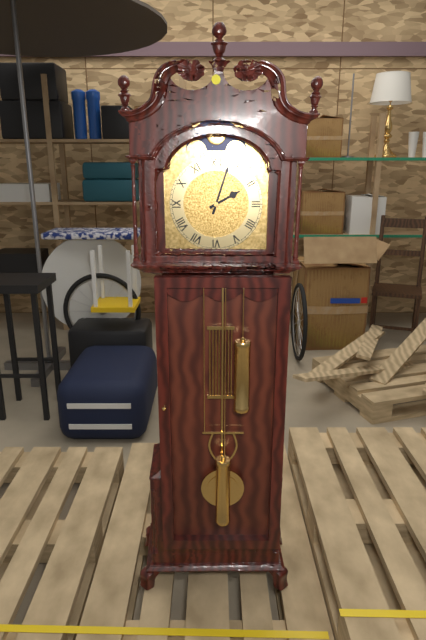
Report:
2h03
